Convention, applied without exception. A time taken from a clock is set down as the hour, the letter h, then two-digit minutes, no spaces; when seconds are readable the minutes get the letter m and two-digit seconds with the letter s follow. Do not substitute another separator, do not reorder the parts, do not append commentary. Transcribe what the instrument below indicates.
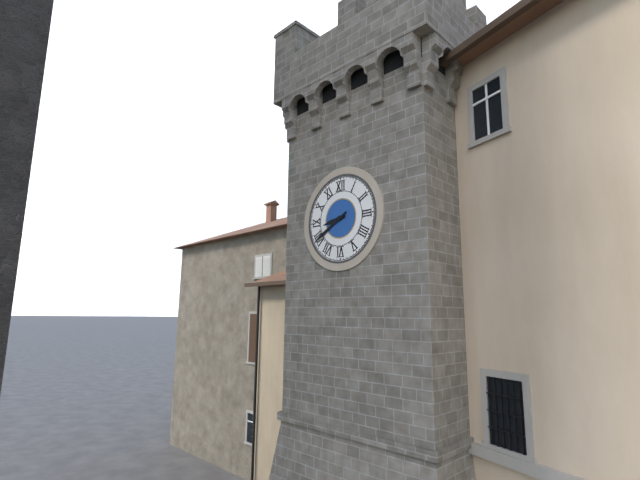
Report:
8h40
